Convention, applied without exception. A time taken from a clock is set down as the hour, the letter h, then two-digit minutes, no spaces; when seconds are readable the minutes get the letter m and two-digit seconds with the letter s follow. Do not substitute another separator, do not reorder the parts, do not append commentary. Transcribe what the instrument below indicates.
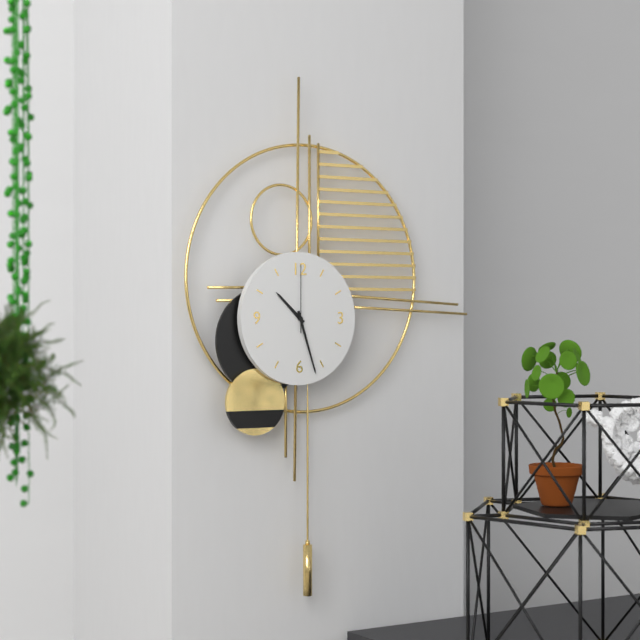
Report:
10h27m00s
